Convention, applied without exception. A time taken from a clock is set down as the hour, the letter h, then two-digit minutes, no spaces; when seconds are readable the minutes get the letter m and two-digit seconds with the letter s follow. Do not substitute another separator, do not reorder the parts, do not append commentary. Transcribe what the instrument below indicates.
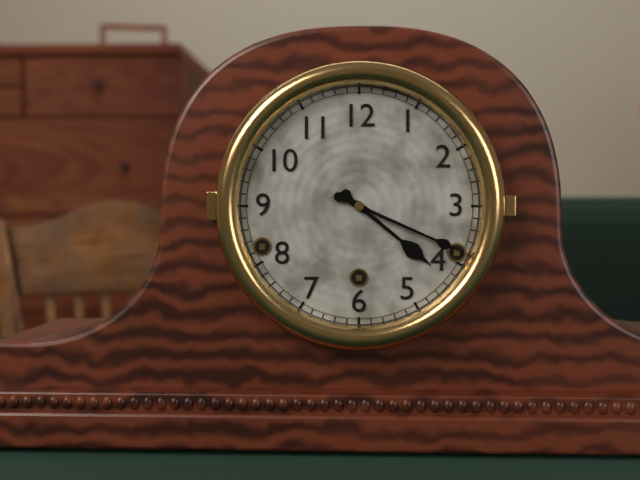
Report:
4h19
